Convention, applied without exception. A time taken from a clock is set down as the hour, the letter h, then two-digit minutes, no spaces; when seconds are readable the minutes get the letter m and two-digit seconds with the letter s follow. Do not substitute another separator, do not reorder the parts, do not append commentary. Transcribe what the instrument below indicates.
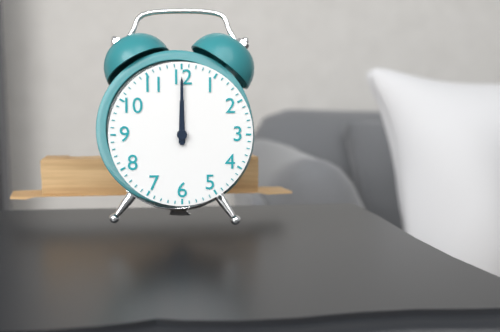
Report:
12h00
